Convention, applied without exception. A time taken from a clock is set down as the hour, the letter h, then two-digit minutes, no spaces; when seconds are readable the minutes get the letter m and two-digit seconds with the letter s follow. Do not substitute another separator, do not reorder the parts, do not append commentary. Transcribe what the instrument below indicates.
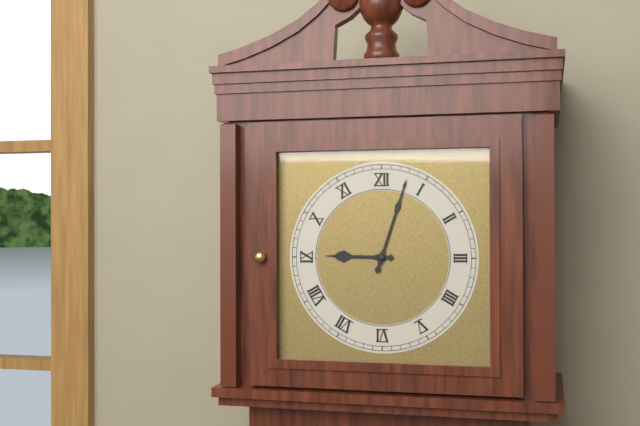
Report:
9h03
